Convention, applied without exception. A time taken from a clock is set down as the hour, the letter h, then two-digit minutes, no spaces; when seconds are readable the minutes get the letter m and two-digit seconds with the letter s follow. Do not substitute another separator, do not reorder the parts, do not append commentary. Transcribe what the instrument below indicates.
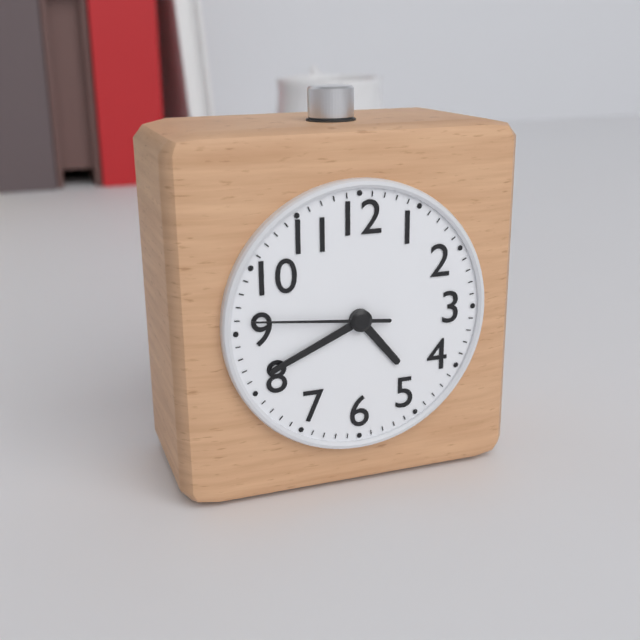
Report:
4h41m46s
